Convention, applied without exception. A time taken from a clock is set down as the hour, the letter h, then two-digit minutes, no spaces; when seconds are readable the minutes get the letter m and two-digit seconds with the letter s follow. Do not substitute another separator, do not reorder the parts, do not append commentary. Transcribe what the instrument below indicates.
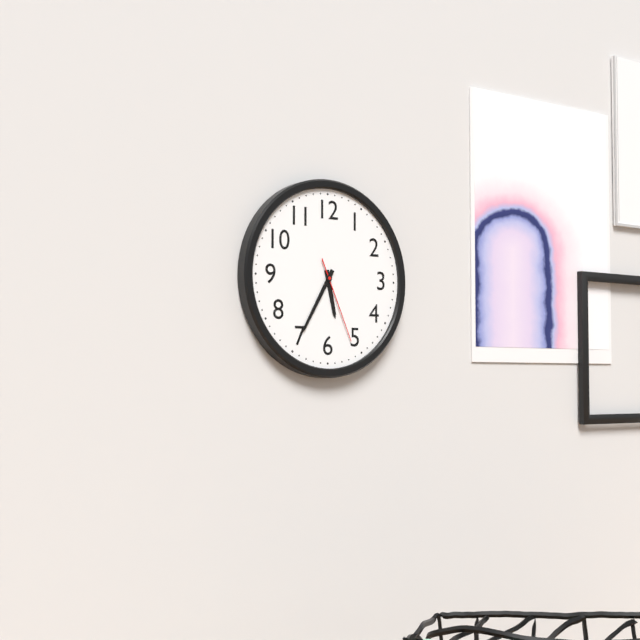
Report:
5h35m26s
